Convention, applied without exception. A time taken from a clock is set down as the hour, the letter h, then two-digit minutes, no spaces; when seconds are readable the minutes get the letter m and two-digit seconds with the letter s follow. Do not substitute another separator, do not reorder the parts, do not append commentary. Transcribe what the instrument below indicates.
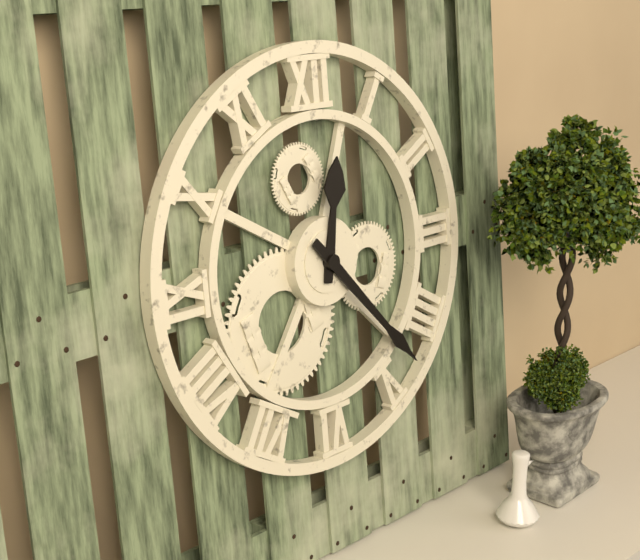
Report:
12h23
